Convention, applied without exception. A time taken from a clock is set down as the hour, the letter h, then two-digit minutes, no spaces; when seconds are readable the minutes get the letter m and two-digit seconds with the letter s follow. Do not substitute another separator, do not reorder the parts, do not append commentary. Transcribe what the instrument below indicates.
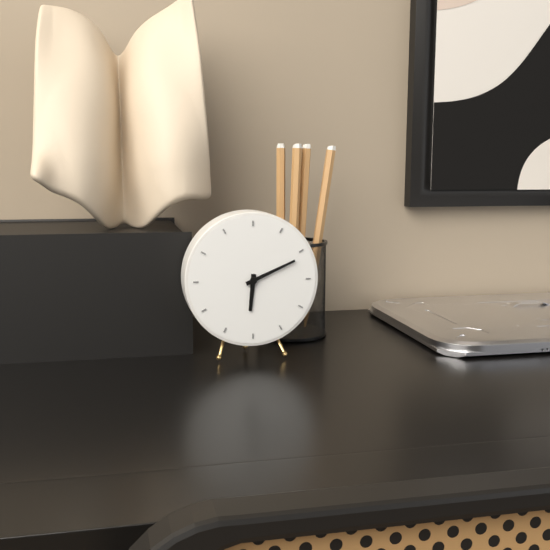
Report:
6h11
